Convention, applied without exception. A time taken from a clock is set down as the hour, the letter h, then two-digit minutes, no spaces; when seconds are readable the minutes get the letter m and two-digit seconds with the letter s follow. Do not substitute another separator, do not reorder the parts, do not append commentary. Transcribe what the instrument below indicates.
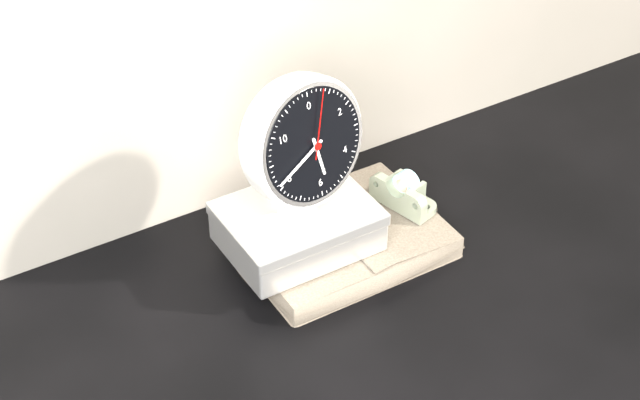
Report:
5h41m03s
